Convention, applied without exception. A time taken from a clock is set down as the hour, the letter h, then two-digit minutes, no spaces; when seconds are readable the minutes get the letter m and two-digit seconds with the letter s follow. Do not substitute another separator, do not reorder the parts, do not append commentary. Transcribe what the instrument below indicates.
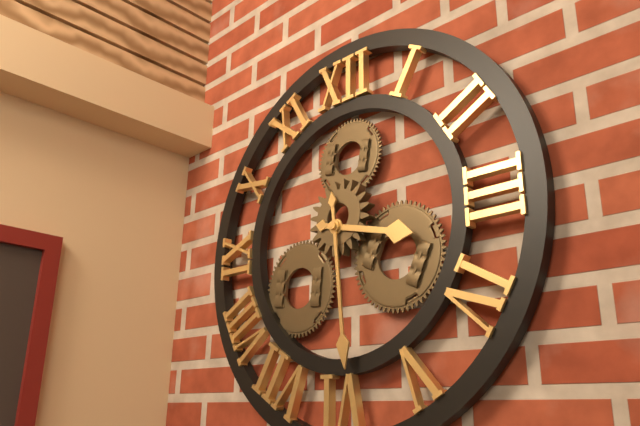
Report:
3h29
